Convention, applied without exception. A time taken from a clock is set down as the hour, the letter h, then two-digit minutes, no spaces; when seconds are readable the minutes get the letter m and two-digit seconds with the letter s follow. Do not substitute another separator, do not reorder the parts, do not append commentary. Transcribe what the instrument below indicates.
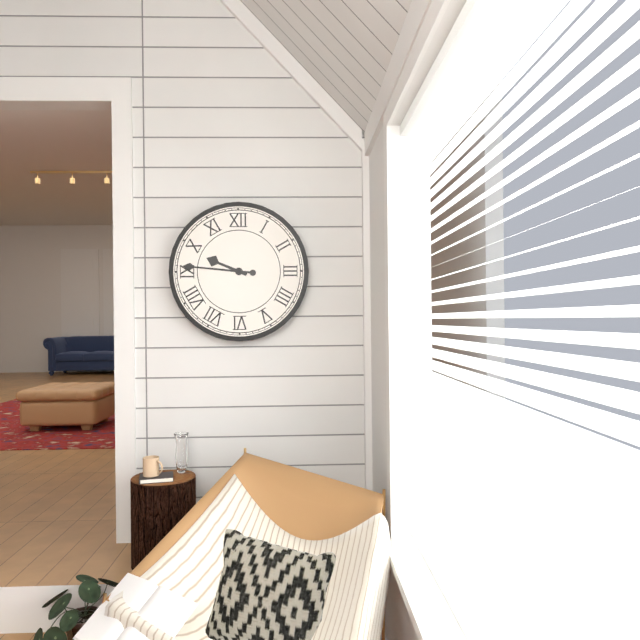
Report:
9h46
